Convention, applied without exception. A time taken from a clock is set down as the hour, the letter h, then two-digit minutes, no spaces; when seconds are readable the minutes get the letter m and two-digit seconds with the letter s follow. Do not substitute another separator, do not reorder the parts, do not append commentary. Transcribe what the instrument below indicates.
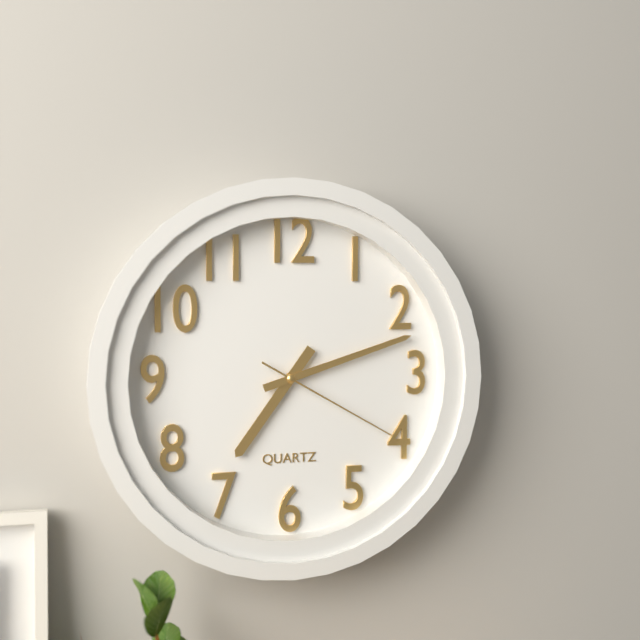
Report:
7h12m20s
